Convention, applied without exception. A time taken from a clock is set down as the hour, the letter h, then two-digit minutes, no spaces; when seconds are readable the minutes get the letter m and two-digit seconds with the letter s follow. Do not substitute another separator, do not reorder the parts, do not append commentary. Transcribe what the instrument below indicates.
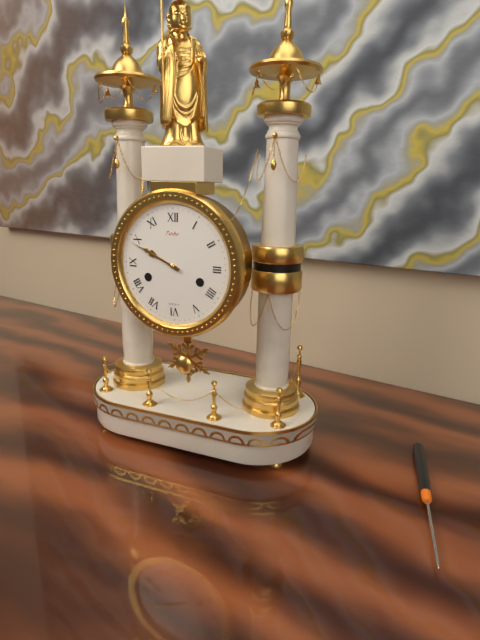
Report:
9h49
